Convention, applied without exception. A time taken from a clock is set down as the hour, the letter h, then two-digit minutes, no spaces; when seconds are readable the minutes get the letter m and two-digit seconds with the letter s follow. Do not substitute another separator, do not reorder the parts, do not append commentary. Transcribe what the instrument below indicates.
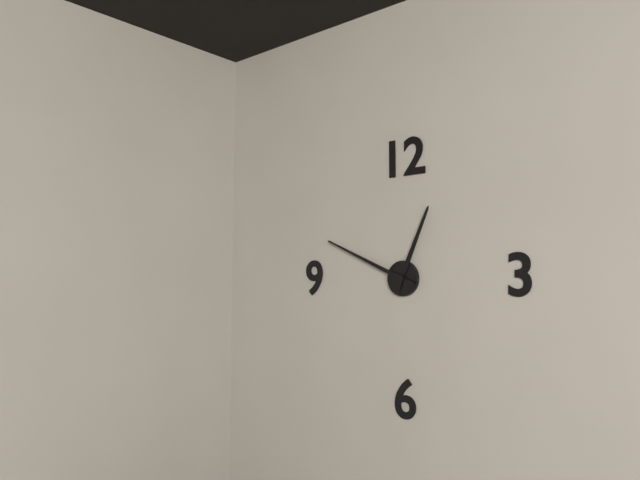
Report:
12h49
